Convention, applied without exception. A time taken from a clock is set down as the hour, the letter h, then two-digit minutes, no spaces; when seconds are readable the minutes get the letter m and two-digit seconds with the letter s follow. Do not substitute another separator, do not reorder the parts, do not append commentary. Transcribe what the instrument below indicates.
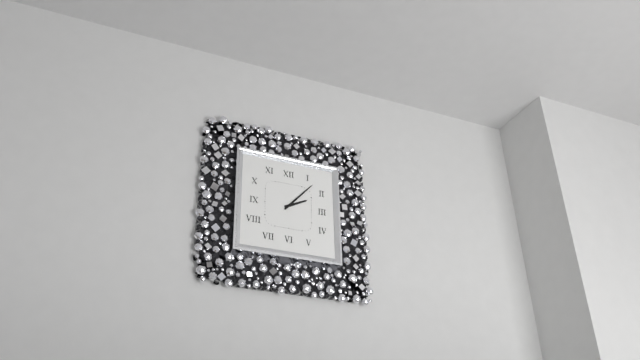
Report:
2h07
